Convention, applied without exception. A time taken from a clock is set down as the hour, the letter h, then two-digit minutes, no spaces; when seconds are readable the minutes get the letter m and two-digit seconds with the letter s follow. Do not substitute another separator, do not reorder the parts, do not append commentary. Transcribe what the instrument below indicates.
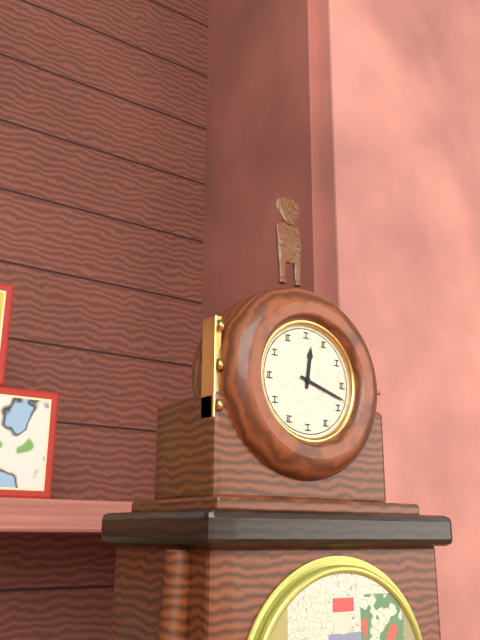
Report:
12h18
